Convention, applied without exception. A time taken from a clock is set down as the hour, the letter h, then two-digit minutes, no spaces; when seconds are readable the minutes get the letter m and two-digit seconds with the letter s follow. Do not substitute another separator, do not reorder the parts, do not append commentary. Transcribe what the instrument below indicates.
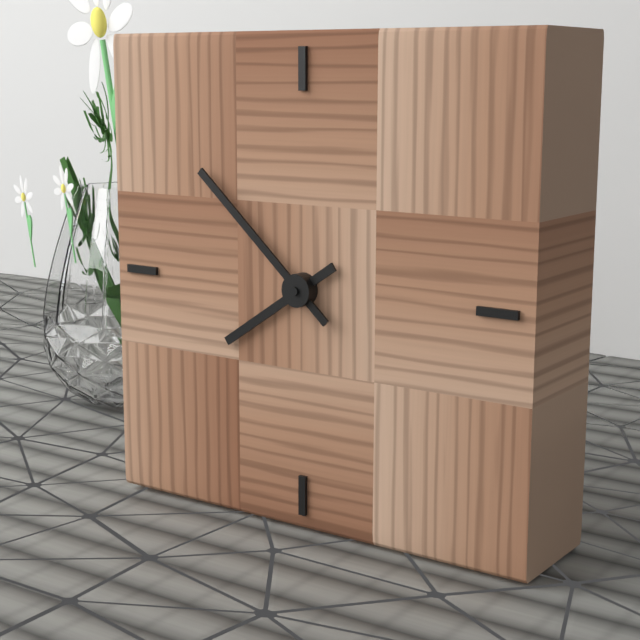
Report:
7h52
